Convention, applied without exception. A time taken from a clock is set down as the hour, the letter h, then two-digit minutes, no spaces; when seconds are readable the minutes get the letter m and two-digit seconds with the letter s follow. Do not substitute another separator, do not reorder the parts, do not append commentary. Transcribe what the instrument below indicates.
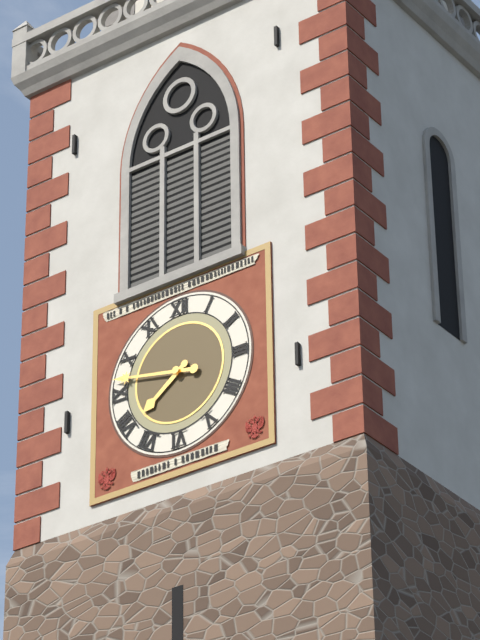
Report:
7h47
